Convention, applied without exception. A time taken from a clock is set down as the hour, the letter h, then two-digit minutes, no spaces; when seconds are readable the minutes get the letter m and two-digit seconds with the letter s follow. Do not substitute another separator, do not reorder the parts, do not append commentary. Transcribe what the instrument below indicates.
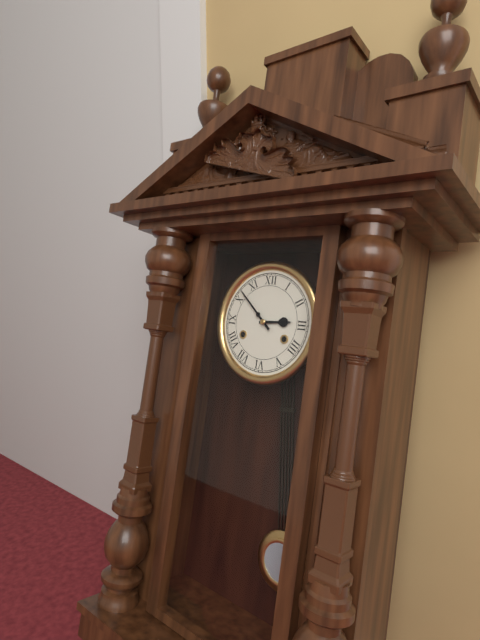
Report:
2h52
